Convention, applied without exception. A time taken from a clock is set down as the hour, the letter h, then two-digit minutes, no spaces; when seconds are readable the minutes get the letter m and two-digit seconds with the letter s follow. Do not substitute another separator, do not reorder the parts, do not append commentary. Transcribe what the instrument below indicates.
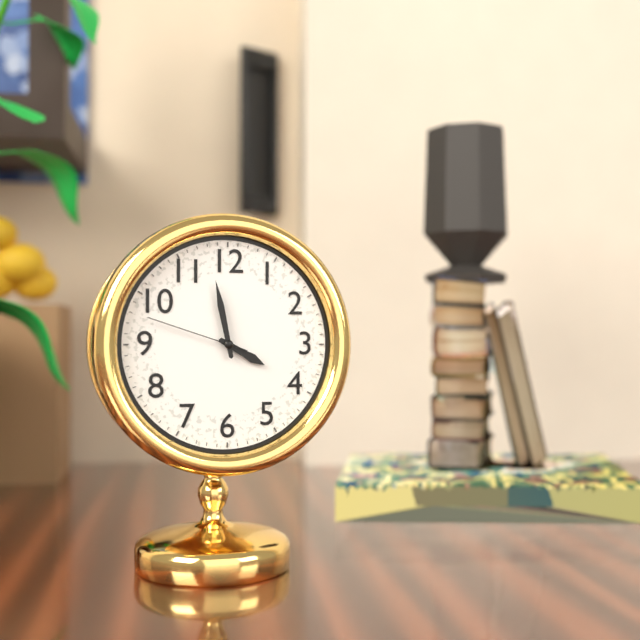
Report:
3h58m48s
